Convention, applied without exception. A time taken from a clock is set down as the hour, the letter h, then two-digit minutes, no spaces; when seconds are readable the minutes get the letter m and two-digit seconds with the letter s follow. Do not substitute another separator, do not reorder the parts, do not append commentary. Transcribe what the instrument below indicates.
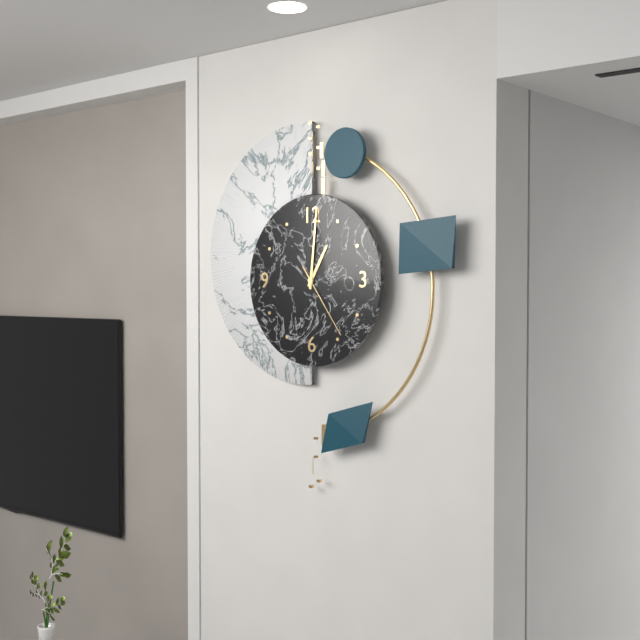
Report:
1h01m24s
